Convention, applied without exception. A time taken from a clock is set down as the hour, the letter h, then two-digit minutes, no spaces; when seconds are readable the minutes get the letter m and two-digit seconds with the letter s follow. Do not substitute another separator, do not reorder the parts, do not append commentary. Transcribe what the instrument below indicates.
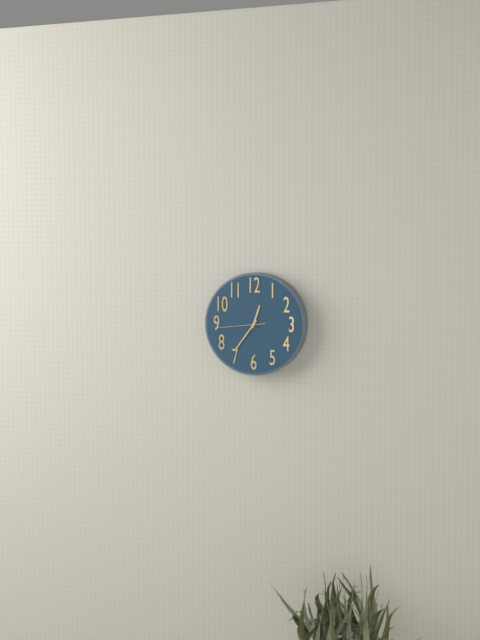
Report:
12h36
